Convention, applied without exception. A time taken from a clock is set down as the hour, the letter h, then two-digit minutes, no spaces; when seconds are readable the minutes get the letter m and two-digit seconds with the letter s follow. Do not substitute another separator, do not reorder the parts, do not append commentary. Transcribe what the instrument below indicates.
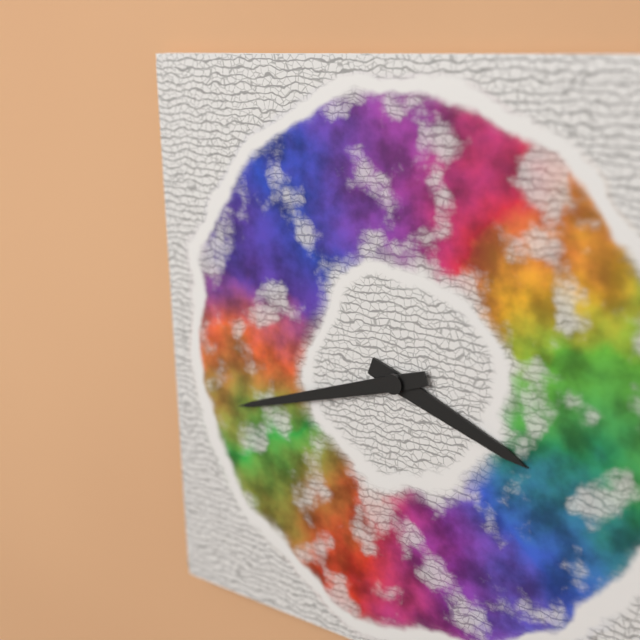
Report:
3h42
